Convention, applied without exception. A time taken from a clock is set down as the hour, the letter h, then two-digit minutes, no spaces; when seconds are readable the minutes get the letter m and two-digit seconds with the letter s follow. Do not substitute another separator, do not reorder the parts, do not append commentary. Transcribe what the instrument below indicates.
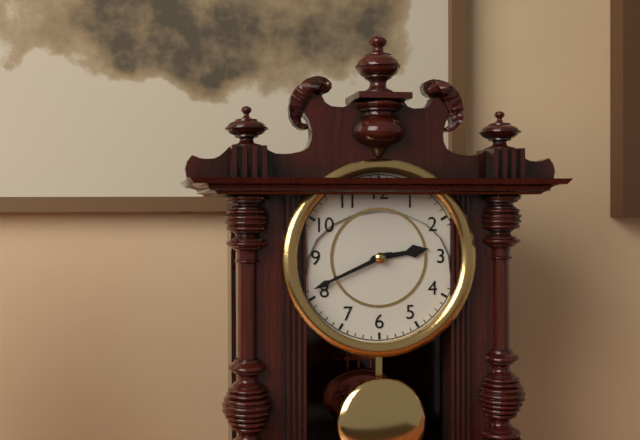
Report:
2h41
